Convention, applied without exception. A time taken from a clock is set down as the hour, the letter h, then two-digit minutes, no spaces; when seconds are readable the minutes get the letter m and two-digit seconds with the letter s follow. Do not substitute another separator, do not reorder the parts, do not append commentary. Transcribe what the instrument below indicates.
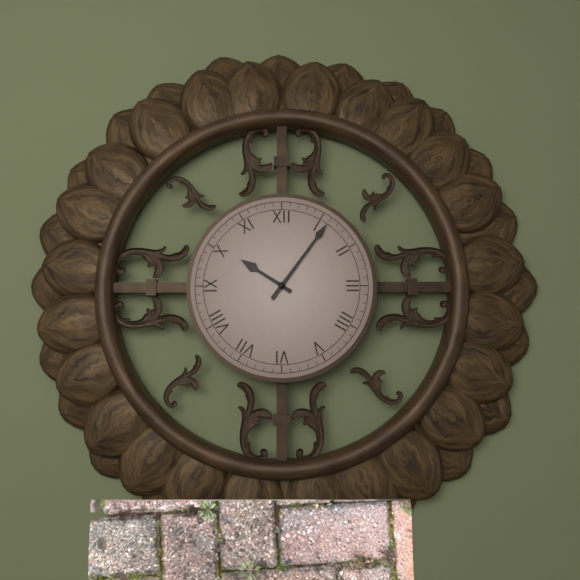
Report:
10h06
